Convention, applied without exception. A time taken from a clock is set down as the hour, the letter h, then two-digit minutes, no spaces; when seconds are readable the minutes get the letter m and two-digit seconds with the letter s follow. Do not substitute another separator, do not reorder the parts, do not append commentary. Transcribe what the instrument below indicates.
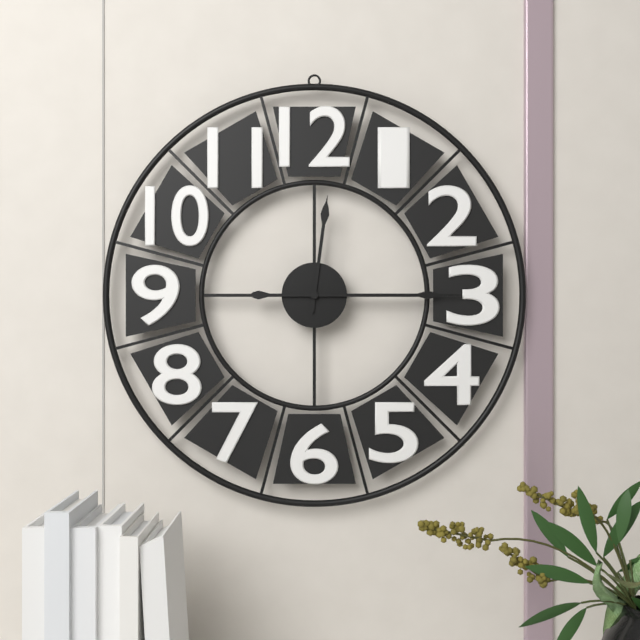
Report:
12h15
